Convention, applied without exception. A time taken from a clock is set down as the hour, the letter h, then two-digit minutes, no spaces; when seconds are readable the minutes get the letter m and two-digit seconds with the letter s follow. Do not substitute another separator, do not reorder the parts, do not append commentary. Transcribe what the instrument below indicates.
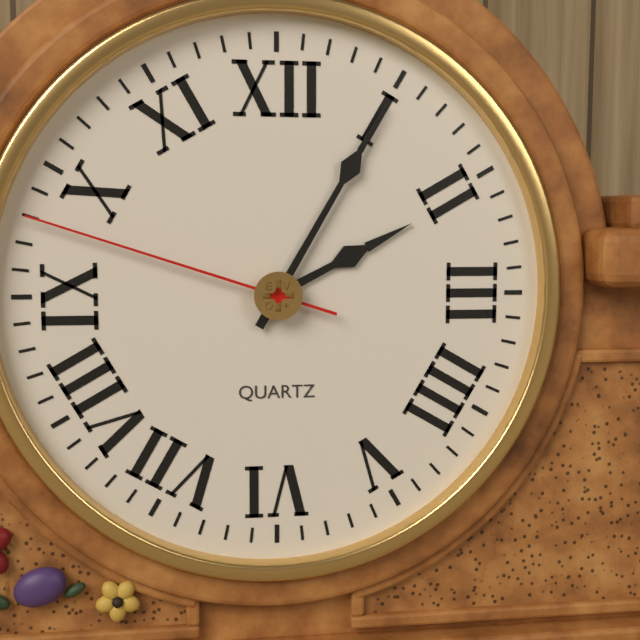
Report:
2h05m48s
